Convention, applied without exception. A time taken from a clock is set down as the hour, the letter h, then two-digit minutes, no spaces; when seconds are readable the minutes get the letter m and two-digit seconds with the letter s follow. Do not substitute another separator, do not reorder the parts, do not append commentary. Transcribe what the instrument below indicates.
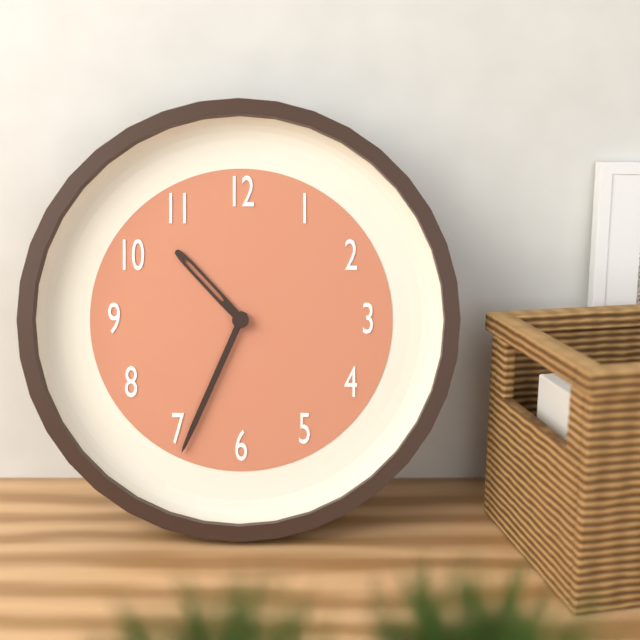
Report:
10h34
